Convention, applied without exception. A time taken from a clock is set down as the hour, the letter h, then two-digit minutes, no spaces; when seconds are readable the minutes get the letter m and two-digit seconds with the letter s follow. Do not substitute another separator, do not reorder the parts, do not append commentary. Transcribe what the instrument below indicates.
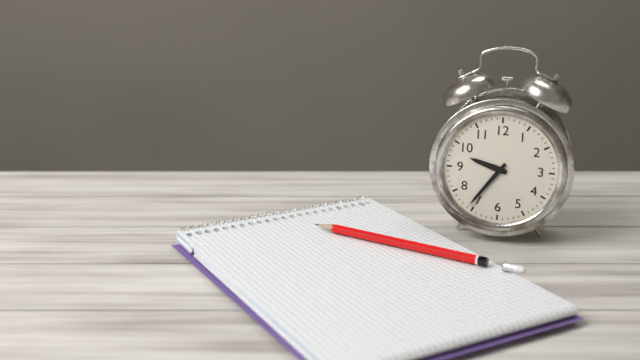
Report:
9h36
